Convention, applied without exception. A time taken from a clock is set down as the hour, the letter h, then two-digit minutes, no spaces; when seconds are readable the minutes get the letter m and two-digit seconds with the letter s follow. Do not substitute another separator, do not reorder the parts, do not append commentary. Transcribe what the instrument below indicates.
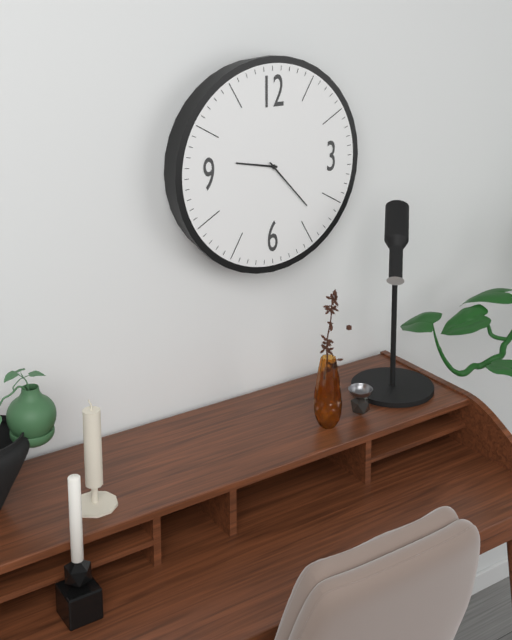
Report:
9h23
